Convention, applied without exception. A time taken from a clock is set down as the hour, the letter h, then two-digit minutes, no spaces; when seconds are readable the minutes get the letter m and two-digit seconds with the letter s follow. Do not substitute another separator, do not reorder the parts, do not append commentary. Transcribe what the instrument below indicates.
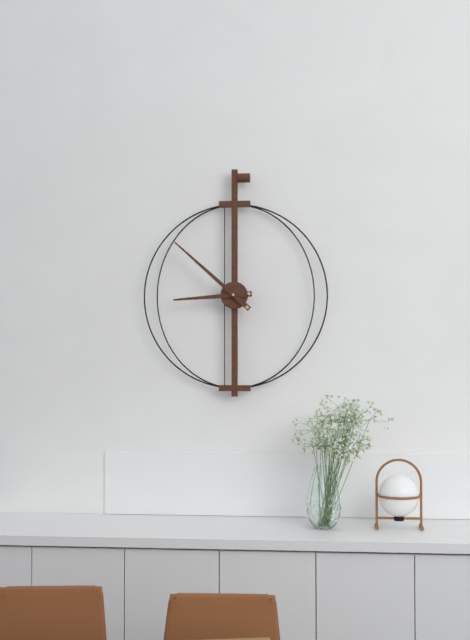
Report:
8h52
